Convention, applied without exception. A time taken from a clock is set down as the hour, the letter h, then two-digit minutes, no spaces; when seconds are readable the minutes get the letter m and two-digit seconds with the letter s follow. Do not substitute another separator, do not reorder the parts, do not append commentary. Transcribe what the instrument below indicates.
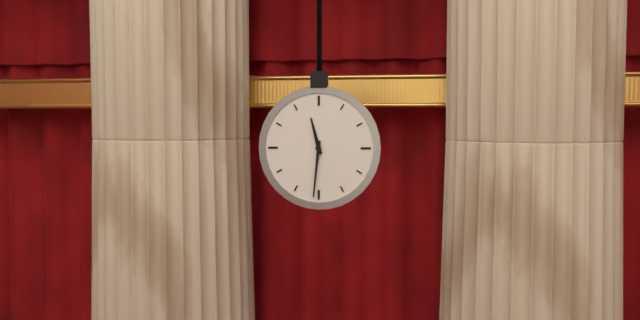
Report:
11h31
